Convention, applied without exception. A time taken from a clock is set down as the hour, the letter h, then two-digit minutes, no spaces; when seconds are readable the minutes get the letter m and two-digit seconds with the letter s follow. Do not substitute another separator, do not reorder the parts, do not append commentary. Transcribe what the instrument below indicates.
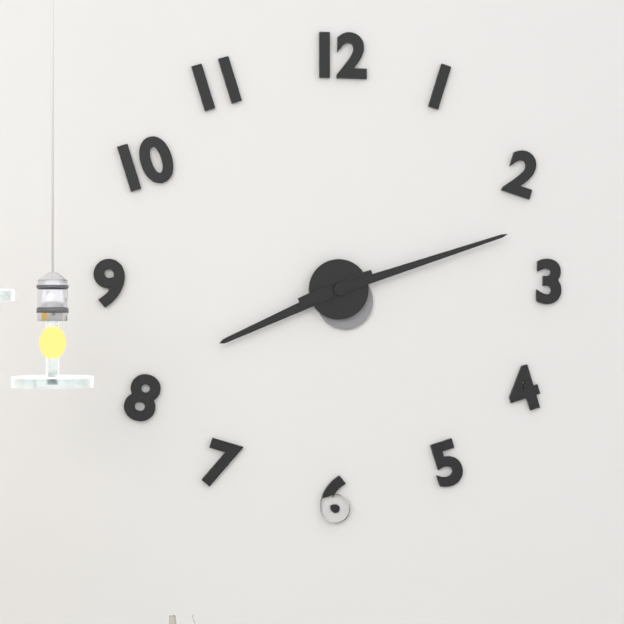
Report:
8h12
